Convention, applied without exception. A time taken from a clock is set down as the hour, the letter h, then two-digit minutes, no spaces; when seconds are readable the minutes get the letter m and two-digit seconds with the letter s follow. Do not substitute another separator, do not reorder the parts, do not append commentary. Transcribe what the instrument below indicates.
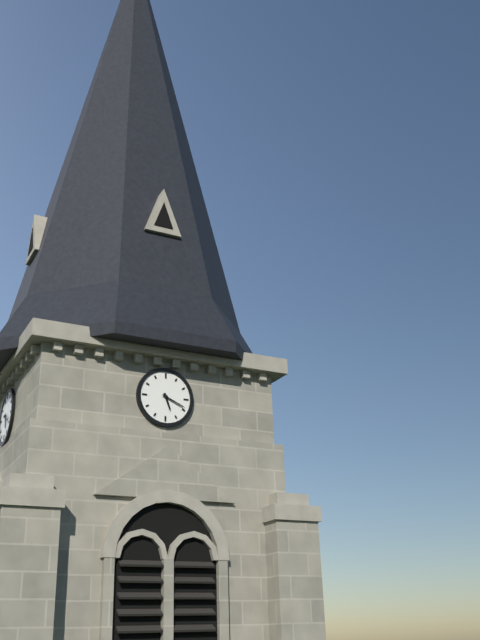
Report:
5h19
